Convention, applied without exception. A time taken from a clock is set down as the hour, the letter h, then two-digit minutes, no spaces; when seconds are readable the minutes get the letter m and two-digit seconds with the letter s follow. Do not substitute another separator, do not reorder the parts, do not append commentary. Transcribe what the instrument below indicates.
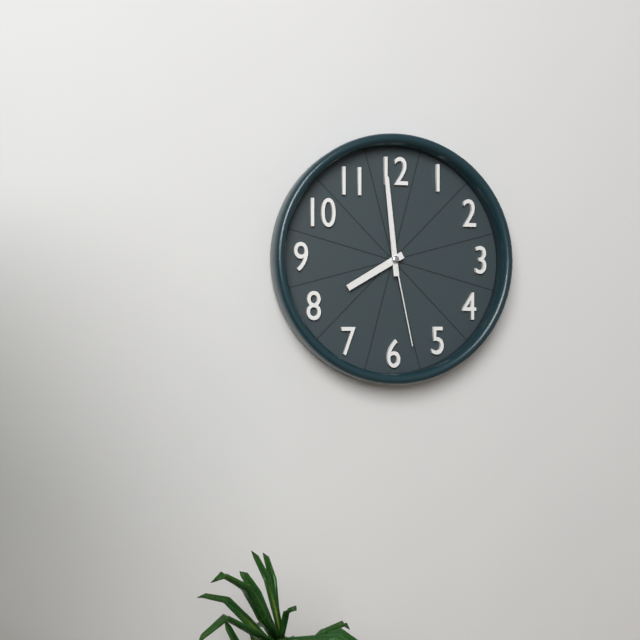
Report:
7h59m28s
